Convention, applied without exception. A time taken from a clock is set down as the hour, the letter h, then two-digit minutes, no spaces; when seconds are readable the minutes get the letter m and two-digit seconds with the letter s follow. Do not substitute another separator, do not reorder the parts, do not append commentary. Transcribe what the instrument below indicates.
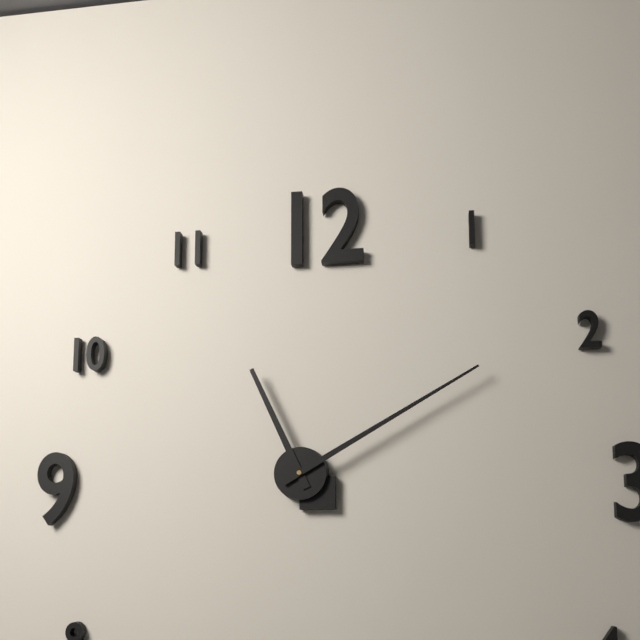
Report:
11h10
